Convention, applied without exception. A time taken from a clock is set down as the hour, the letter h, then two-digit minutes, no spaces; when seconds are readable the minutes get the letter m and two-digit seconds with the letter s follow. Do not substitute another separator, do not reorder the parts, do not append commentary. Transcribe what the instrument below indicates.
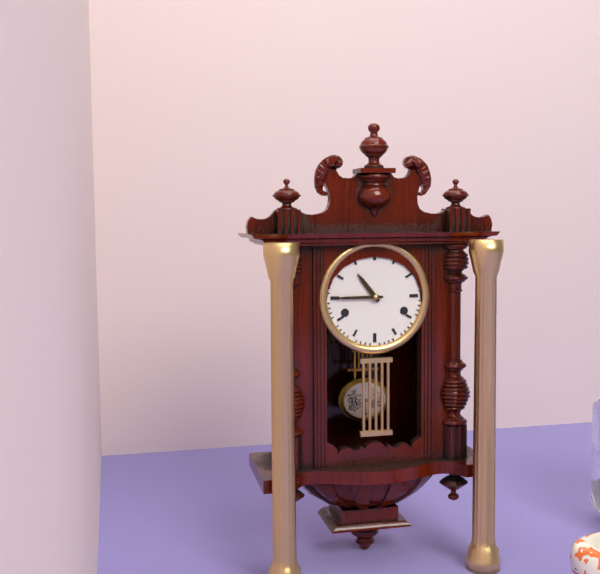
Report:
10h45
